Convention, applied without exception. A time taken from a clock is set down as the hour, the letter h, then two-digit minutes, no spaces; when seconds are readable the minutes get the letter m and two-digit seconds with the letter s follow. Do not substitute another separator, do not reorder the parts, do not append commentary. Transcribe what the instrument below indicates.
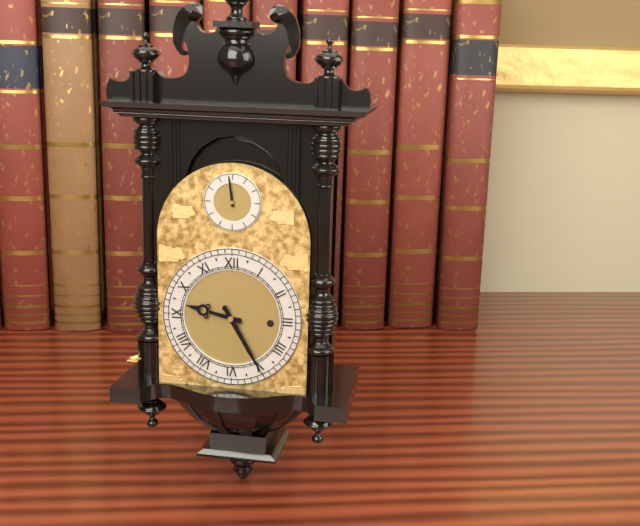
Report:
9h25
